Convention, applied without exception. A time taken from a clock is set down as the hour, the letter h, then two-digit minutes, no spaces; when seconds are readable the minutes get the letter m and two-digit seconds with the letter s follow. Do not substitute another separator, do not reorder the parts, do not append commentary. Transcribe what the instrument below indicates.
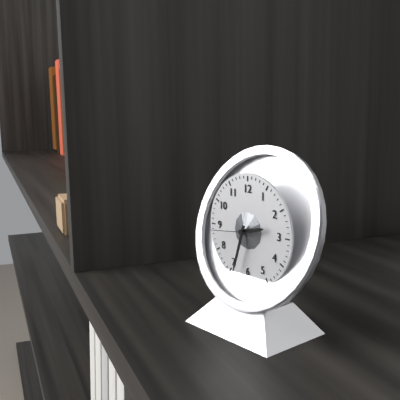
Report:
2h33m44s
